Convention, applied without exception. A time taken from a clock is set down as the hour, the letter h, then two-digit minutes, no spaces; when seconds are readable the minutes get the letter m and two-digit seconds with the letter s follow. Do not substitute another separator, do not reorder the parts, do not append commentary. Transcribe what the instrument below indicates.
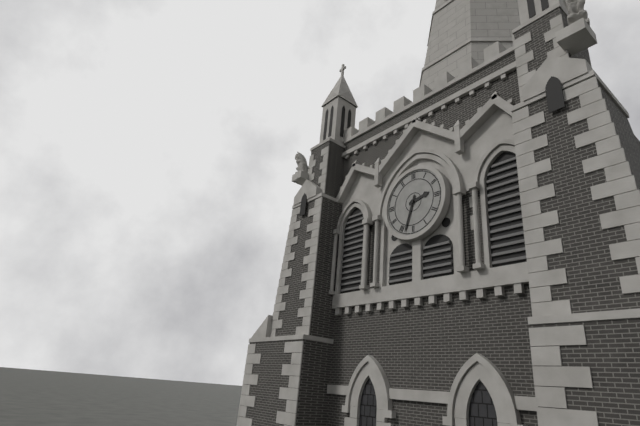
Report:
2h33
